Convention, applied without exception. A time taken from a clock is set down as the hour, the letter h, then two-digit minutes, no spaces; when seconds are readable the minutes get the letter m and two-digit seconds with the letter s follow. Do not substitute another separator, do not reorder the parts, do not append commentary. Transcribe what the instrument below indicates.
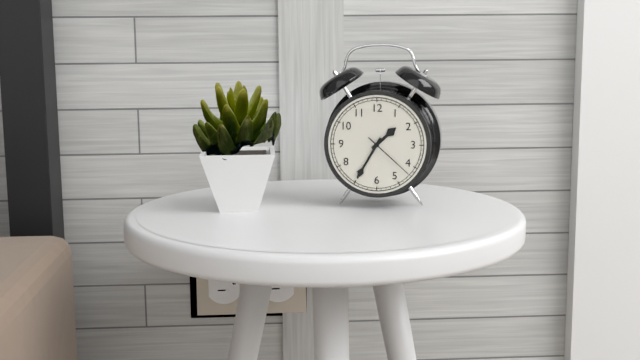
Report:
1h35m22s
